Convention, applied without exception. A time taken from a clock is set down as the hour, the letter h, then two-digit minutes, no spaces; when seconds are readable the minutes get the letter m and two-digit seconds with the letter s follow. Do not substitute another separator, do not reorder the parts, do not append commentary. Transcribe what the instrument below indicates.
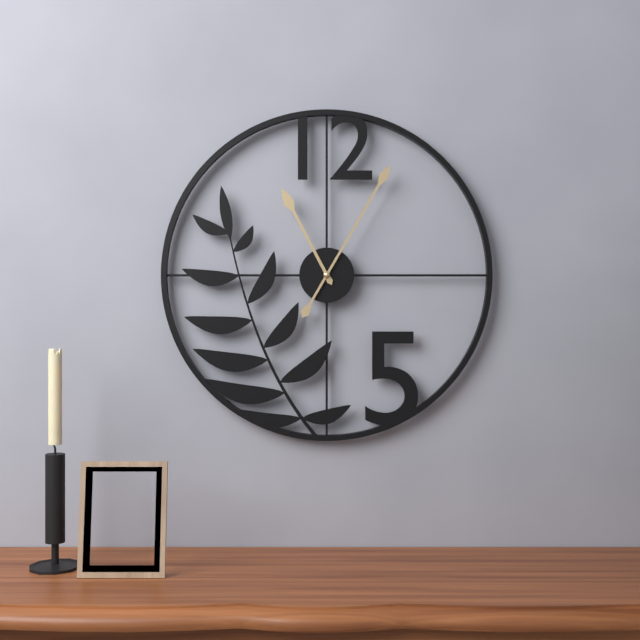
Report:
11h05
